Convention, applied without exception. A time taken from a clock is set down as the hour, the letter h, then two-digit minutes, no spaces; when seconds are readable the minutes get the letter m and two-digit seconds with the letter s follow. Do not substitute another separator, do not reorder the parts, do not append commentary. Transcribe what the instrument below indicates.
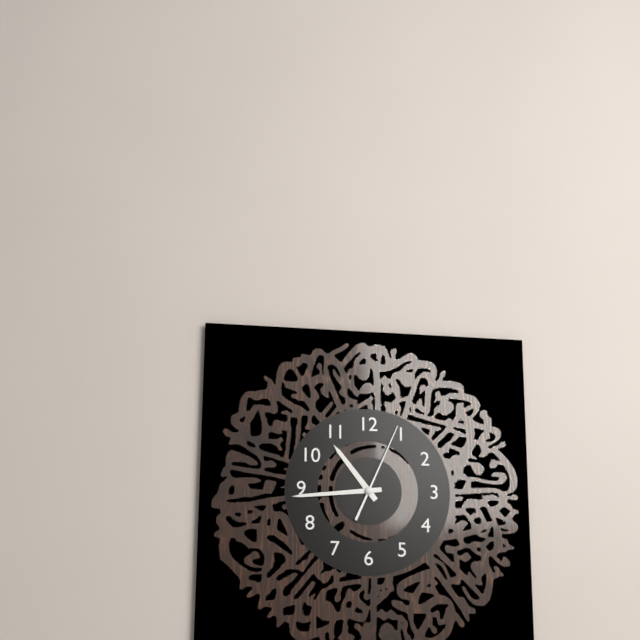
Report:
10h44m04s
